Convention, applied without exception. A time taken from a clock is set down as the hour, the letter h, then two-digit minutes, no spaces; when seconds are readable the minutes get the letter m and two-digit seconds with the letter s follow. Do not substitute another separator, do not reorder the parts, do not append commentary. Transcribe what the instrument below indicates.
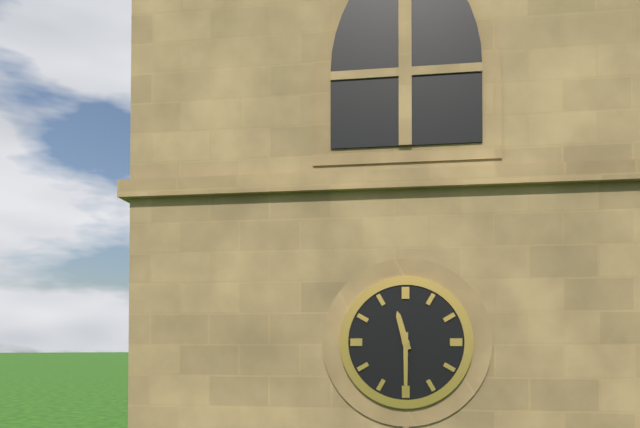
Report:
11h30
